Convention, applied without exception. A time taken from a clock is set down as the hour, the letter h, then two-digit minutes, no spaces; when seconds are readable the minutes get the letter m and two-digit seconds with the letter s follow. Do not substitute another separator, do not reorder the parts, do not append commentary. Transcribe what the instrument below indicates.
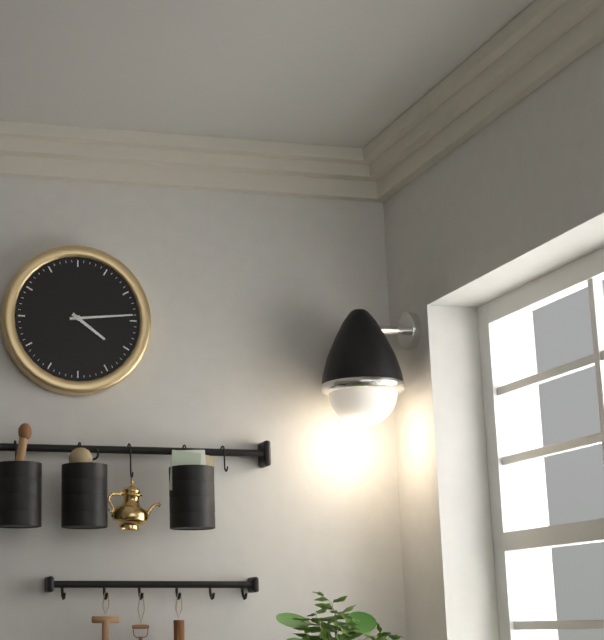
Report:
4h14
